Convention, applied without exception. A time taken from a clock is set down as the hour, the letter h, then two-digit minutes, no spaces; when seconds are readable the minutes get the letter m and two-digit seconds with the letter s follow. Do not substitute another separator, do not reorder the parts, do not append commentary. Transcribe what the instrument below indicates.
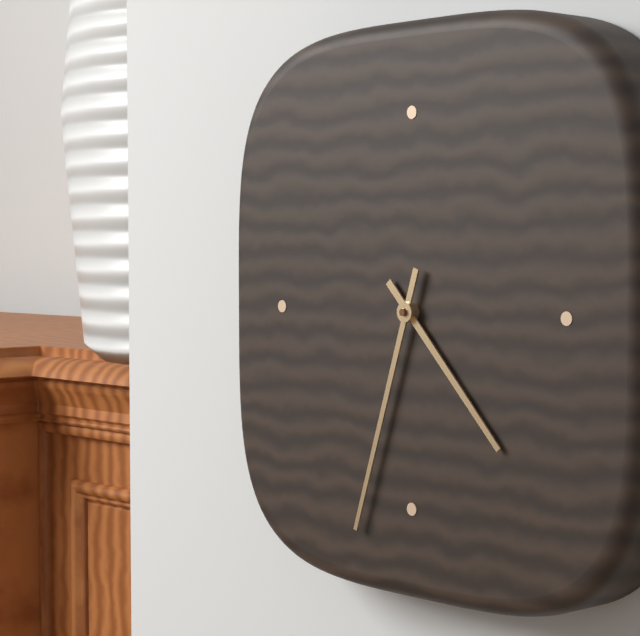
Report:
4h33
